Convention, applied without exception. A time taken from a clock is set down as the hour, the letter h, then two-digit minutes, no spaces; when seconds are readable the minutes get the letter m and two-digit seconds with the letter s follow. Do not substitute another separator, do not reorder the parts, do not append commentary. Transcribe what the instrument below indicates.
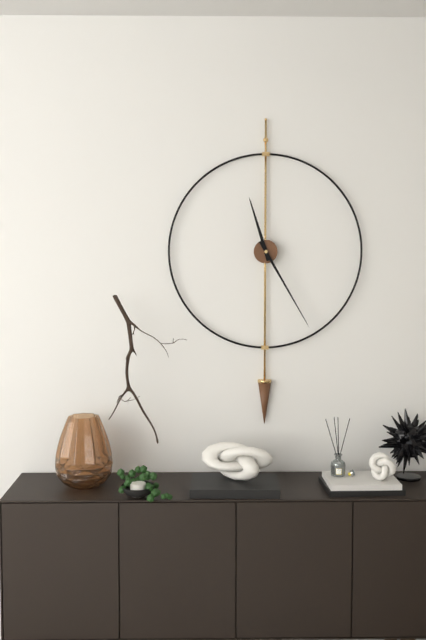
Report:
11h25
